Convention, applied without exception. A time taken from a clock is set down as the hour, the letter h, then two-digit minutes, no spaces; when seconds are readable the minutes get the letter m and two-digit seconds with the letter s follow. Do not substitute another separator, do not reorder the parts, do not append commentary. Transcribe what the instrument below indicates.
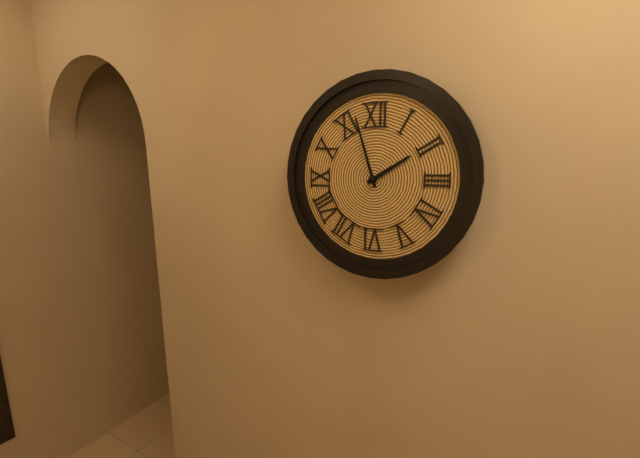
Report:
1h57
